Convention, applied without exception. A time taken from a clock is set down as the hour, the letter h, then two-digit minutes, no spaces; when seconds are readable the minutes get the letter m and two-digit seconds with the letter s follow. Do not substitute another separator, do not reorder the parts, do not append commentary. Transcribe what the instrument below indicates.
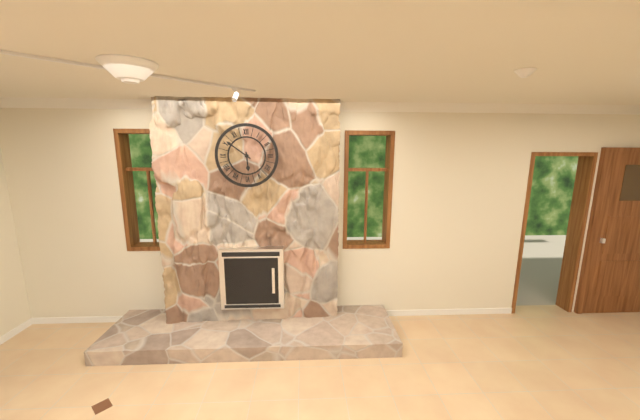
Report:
5h51
